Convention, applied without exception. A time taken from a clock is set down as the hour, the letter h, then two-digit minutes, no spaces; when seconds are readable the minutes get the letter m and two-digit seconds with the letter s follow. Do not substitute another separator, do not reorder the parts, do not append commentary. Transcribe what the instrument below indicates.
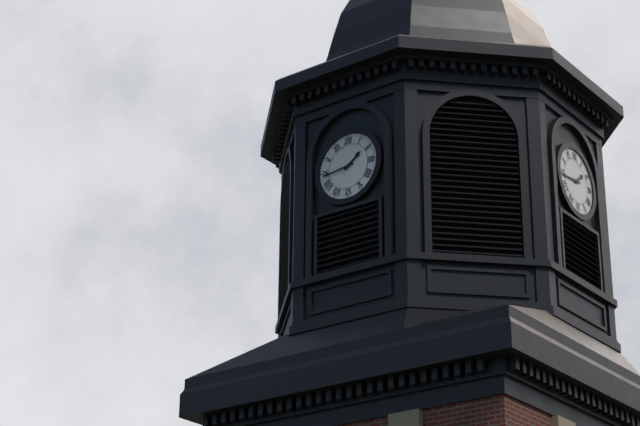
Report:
1h44
